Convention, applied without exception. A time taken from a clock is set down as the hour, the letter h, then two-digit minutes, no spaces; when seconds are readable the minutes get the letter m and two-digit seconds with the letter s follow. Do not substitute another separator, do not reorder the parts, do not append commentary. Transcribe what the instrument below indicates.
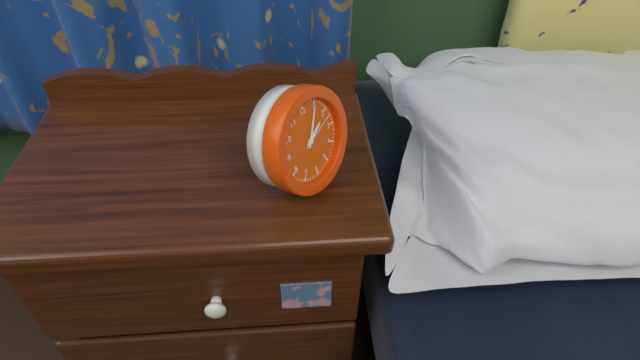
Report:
2h05
